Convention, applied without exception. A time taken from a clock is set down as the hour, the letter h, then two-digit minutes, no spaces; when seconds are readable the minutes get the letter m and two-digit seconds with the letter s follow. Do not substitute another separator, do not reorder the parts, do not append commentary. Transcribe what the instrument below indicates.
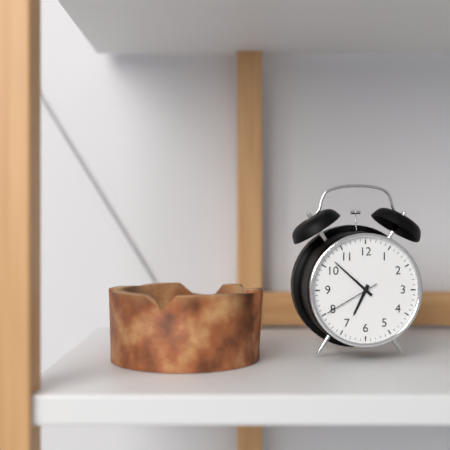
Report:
6h52m40s
